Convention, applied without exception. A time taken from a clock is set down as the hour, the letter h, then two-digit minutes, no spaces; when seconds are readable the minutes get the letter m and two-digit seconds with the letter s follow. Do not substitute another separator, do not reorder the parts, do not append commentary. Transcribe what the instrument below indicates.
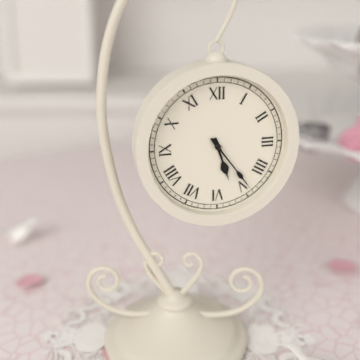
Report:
5h24
